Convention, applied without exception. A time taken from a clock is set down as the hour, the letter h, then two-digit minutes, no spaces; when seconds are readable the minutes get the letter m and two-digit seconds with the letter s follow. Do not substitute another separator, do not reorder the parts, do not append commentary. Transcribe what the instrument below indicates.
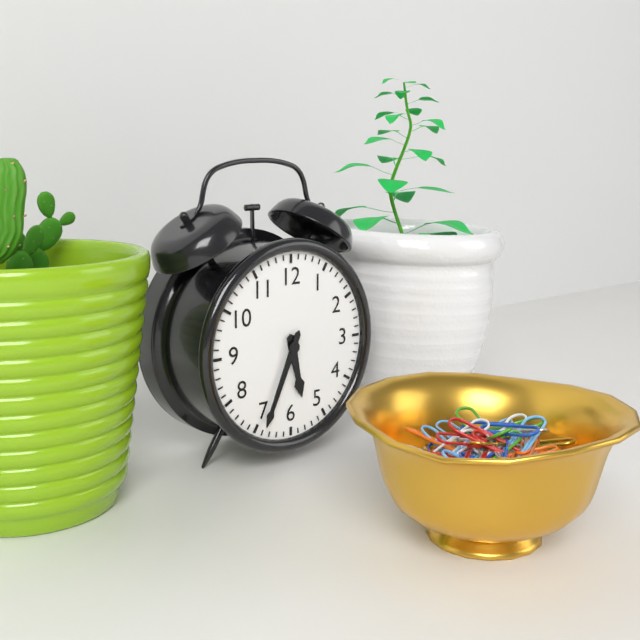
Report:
5h34
